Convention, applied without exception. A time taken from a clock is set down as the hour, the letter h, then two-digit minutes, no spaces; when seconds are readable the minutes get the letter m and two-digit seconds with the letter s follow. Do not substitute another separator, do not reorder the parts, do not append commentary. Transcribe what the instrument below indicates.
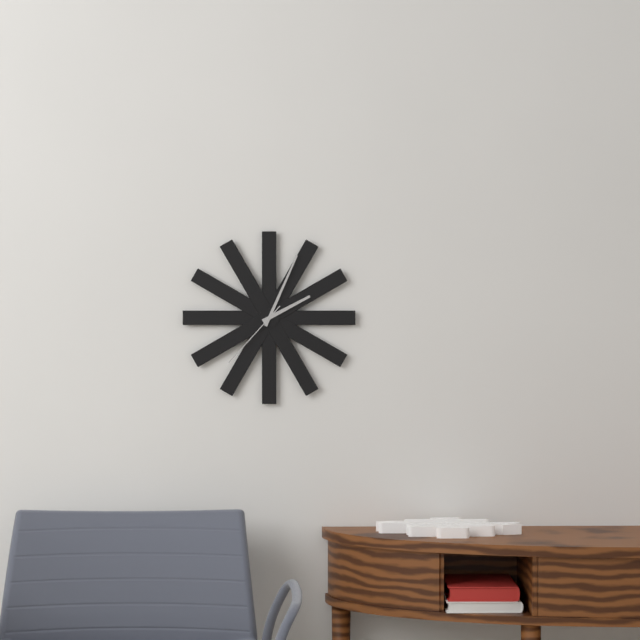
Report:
2h04m37s
